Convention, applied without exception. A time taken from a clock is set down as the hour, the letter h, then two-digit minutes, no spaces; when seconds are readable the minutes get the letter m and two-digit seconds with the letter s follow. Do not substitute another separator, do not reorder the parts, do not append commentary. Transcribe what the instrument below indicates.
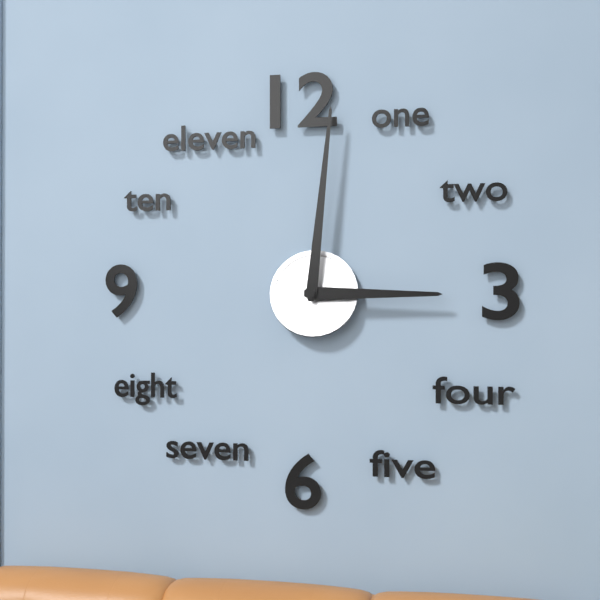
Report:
3h01
